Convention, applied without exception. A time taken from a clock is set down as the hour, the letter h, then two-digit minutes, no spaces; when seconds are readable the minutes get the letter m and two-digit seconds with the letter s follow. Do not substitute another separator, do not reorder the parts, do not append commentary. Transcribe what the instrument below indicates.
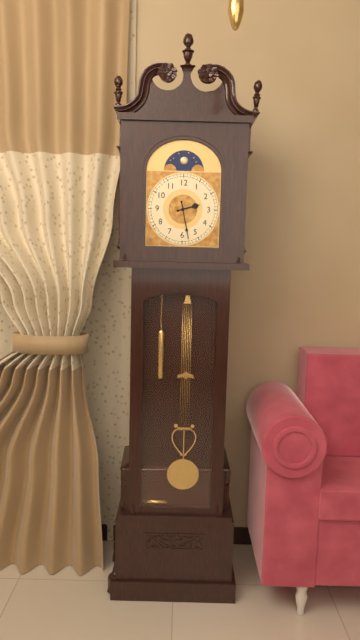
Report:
2h28
